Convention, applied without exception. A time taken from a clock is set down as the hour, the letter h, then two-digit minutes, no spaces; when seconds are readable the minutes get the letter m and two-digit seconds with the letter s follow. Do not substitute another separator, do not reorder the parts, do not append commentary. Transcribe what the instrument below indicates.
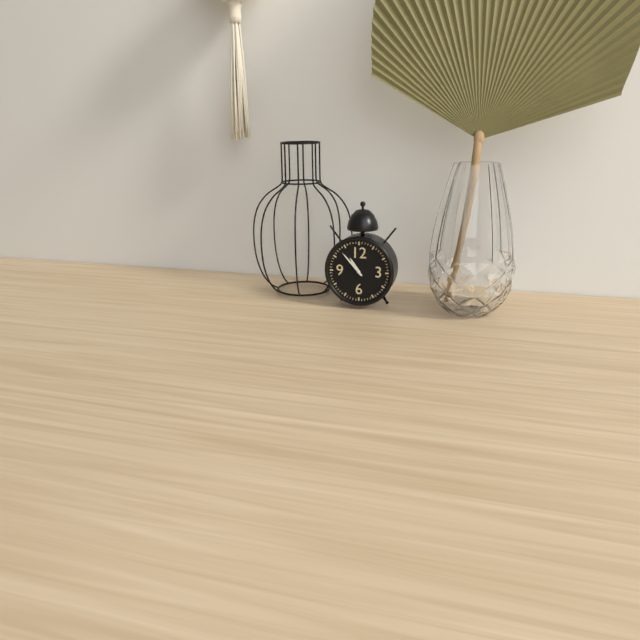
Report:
10h53
